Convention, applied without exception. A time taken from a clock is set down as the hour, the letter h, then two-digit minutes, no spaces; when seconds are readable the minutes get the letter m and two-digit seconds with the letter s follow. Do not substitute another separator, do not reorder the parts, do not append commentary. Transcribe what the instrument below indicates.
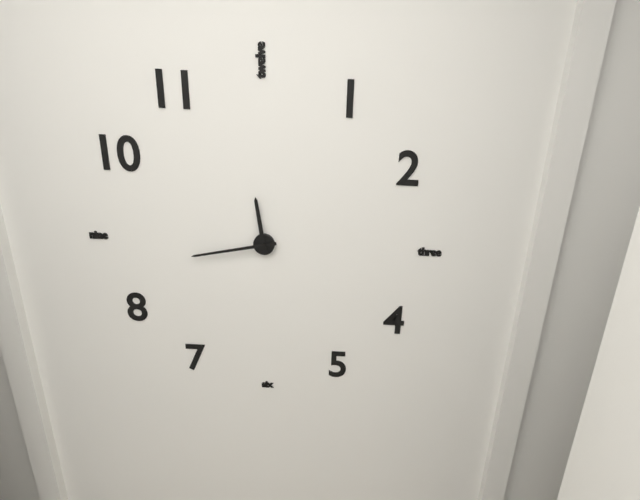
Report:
11h43
